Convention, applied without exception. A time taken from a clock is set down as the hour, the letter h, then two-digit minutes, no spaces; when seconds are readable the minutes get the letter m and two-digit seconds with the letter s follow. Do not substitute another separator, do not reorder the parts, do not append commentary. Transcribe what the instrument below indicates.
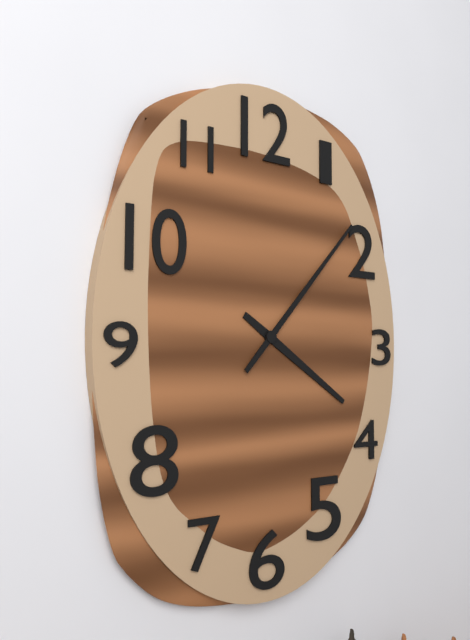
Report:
4h07
